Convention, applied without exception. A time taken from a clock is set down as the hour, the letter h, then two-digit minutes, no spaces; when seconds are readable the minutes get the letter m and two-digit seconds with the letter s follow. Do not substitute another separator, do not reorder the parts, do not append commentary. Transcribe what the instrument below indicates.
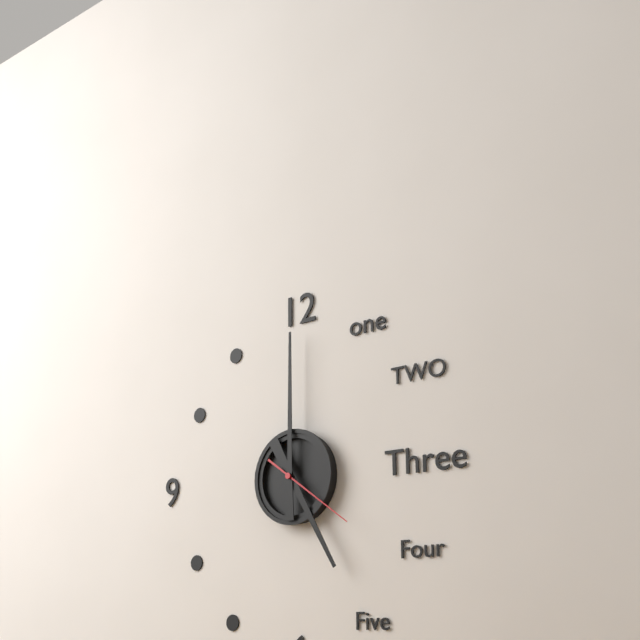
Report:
5h00m21s
